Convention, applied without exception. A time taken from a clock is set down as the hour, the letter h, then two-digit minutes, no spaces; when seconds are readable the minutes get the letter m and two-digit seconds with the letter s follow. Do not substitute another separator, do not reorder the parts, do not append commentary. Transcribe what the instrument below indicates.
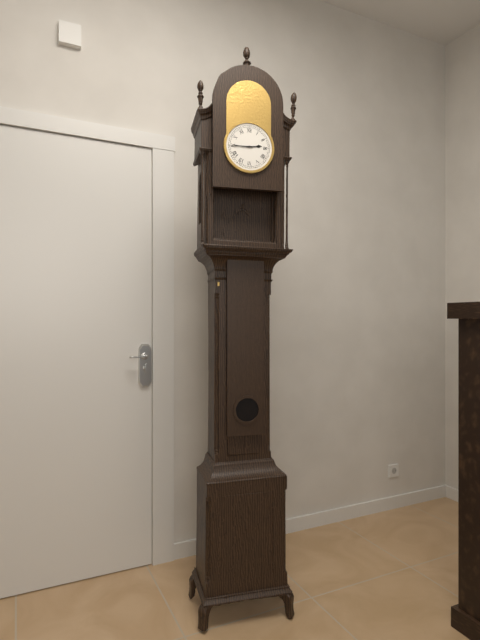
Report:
2h45
